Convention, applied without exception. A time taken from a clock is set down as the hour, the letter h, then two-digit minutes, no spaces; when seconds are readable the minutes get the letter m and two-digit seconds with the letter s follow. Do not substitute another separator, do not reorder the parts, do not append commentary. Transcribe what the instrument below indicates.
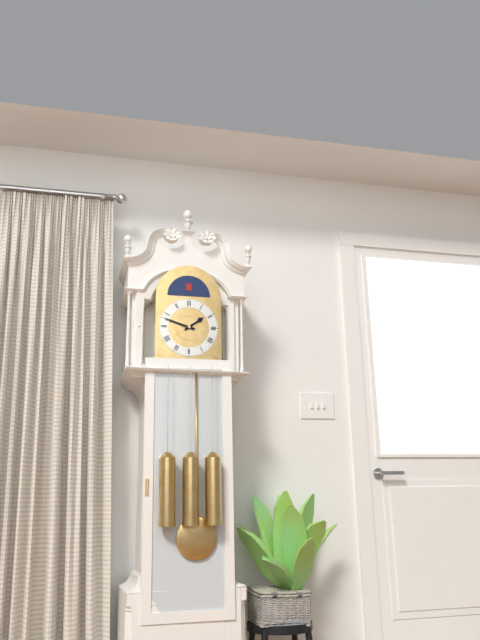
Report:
1h48
